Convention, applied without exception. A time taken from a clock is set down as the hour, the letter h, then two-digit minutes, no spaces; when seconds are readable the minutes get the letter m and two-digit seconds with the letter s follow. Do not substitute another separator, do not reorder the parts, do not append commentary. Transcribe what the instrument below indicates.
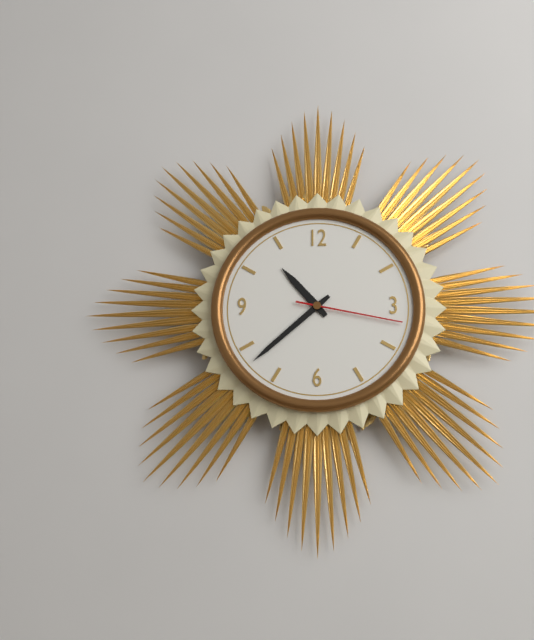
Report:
10h38m17s
